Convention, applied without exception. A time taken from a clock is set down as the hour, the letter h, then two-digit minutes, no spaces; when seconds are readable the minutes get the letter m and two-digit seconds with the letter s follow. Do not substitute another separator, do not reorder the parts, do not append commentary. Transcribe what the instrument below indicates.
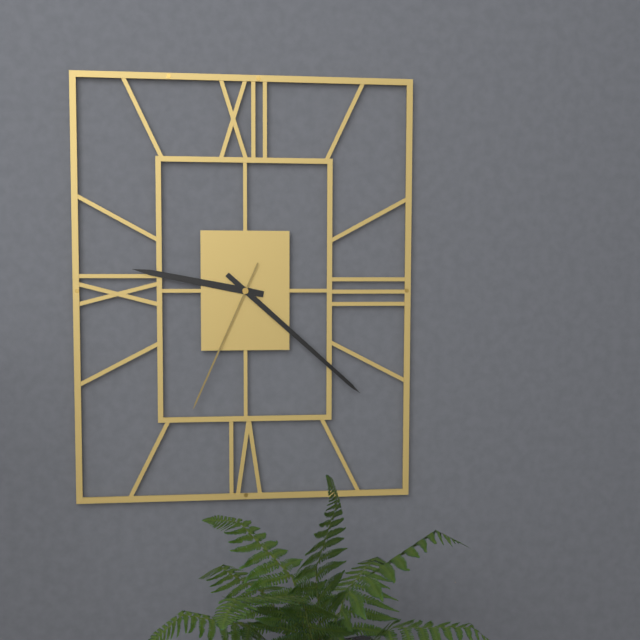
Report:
9h22m34s
